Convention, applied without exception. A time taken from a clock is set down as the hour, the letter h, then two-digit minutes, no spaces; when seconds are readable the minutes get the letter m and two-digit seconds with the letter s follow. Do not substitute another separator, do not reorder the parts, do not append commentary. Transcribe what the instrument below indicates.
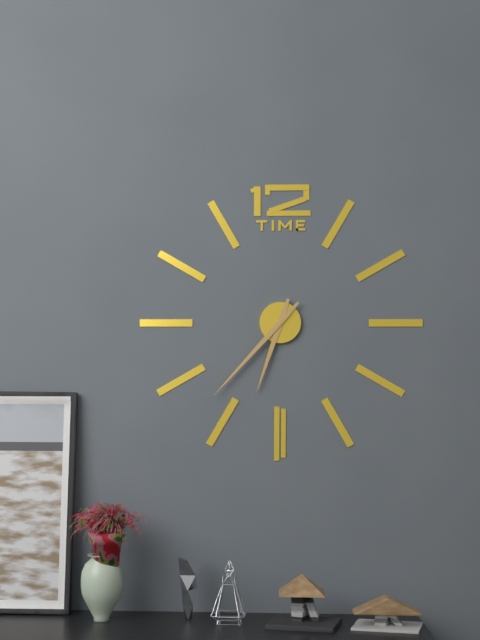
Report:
6h37
